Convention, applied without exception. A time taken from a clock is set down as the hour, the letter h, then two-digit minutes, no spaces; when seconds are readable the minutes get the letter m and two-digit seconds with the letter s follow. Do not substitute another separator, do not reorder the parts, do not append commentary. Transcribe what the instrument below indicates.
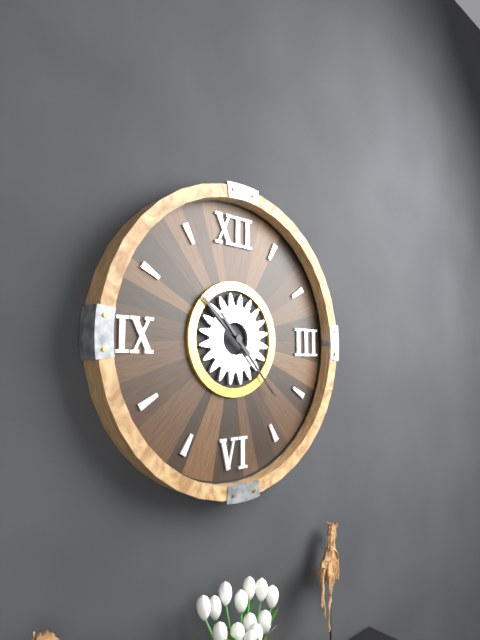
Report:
10h23
